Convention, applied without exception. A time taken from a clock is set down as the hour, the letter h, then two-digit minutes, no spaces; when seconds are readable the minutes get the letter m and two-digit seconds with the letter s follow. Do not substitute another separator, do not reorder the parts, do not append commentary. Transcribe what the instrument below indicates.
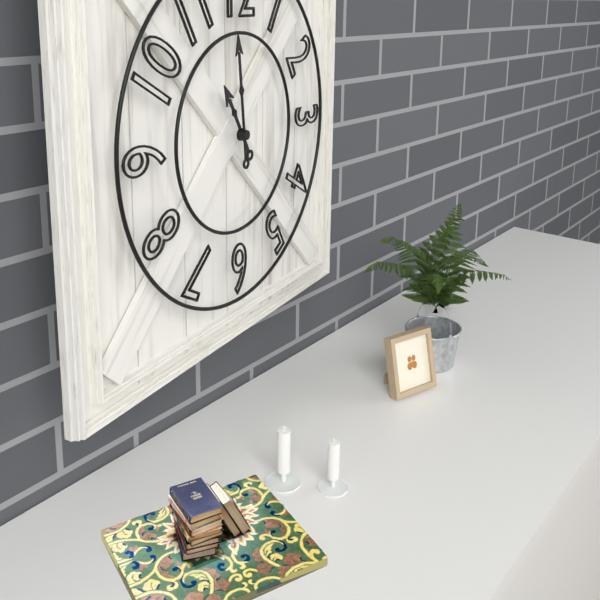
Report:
10h59
